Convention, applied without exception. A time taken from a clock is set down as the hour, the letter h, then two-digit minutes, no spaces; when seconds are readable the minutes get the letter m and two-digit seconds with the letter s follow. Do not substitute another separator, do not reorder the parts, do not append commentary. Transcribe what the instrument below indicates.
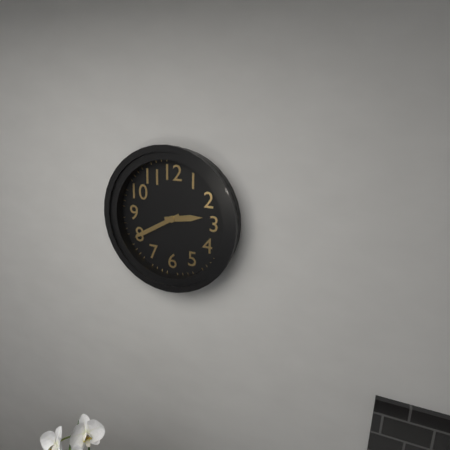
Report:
2h40
